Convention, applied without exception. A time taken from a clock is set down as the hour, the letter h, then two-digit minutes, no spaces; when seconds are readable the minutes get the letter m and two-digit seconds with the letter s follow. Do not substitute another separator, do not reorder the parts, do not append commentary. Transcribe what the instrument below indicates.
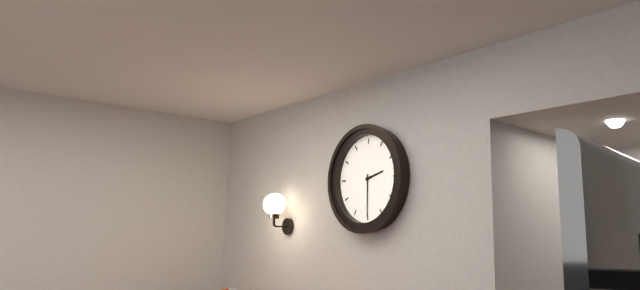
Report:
2h30
